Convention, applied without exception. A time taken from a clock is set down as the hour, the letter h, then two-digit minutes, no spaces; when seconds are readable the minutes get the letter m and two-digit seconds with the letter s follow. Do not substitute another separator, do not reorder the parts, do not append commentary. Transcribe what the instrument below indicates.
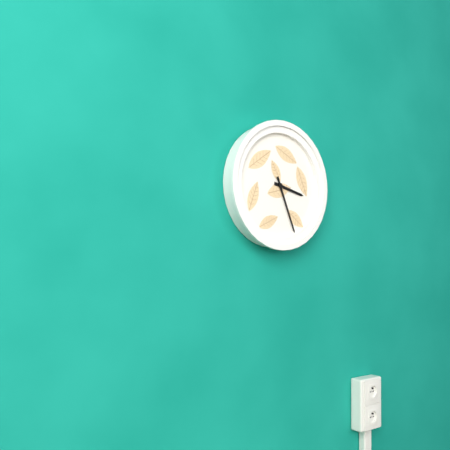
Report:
3h26
